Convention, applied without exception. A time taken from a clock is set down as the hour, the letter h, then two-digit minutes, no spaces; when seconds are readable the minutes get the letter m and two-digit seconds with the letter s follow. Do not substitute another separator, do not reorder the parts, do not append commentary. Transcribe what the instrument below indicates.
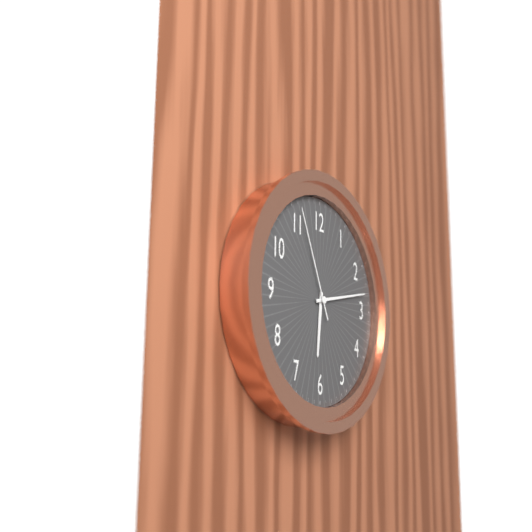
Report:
6h13m56s
